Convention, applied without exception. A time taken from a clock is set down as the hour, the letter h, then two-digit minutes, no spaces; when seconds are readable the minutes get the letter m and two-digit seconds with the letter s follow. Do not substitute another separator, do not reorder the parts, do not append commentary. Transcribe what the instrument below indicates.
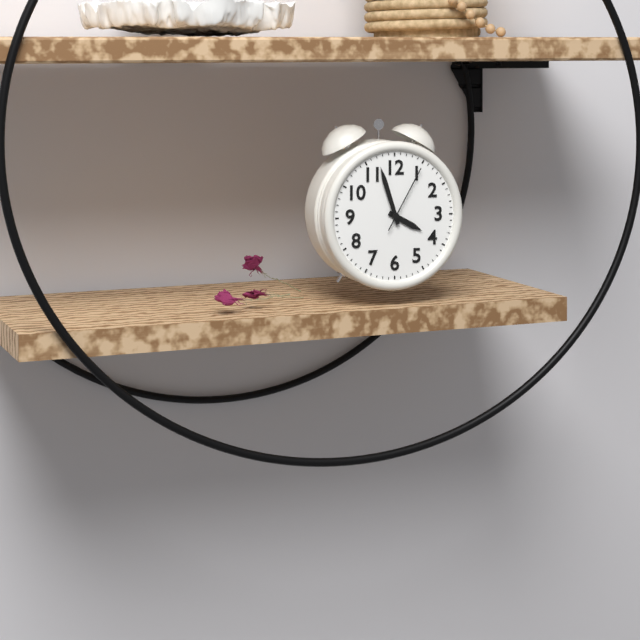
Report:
3h57m05s
